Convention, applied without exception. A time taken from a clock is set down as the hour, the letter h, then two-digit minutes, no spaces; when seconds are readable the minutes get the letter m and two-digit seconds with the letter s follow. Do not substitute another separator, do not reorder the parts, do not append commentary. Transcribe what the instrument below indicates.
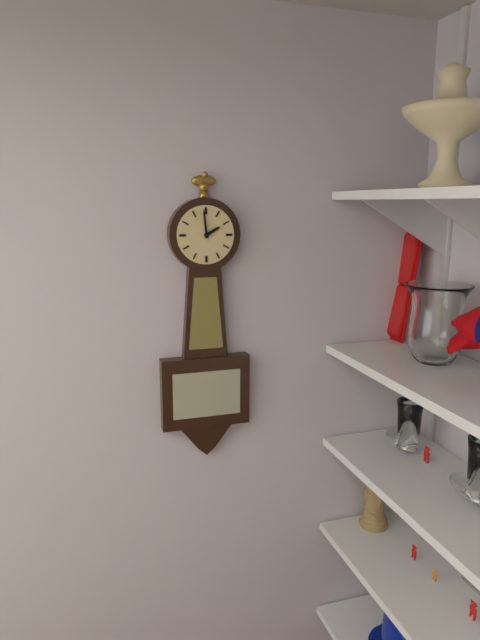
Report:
1h59
